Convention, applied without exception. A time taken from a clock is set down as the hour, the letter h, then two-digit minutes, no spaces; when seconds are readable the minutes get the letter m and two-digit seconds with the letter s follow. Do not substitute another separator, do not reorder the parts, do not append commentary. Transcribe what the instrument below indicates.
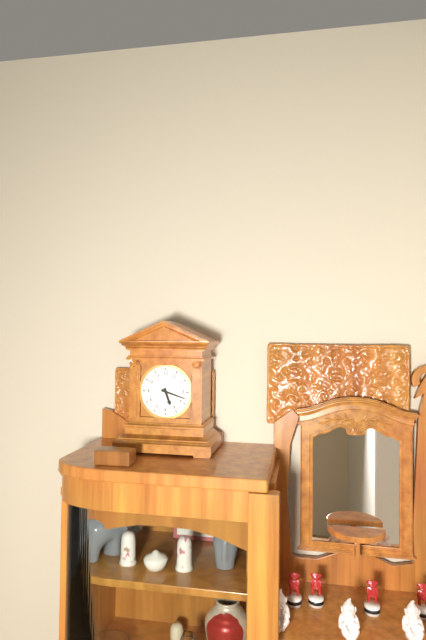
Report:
5h18
